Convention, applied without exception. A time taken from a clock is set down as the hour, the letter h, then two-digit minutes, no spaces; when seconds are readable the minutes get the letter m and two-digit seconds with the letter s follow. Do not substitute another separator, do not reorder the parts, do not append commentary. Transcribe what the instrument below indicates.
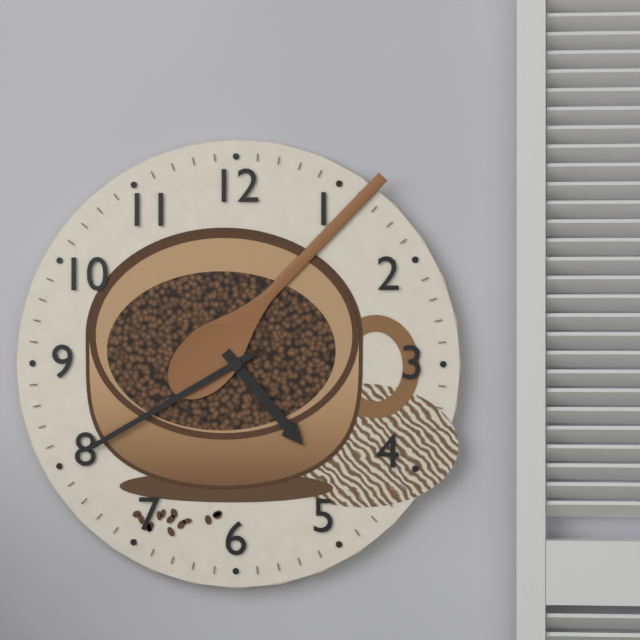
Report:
4h40
